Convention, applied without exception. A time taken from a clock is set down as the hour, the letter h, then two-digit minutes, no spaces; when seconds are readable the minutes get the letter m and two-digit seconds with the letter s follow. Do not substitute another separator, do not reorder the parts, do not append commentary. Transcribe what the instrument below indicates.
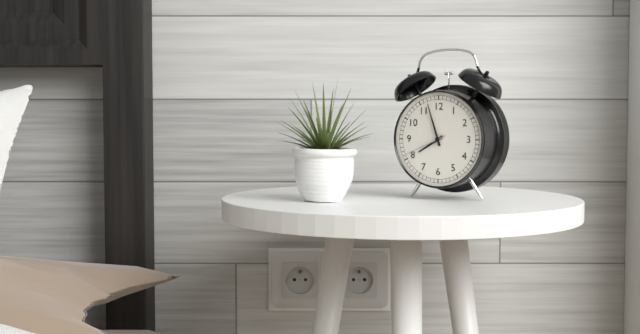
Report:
7h57
